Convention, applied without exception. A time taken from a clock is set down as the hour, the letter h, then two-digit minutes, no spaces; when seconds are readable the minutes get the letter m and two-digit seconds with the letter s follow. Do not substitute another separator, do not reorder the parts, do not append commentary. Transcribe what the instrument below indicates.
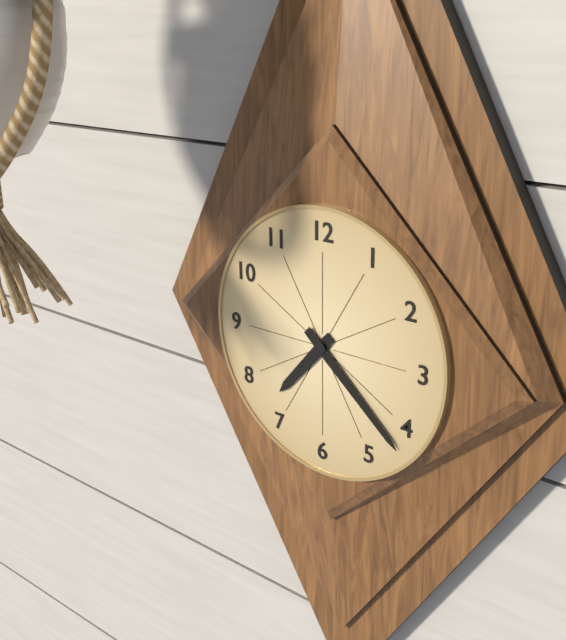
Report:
7h22
